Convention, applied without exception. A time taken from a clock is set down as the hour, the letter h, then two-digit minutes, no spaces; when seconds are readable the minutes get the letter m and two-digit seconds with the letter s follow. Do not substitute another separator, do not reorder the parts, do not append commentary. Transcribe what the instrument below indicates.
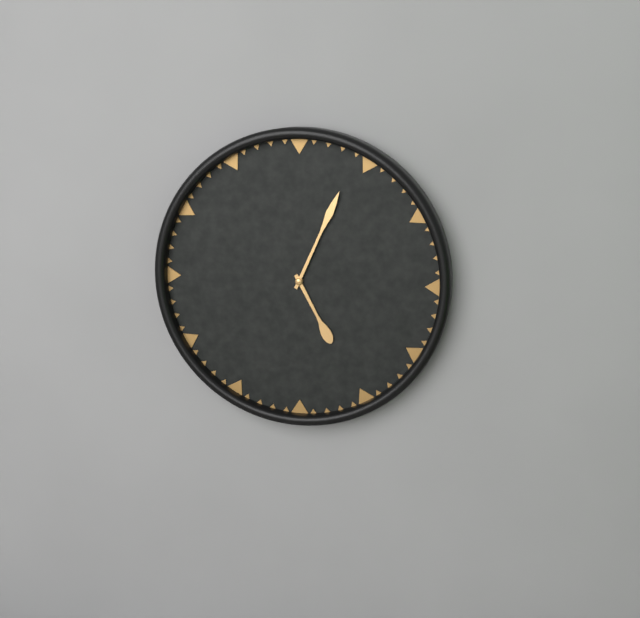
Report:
5h04
